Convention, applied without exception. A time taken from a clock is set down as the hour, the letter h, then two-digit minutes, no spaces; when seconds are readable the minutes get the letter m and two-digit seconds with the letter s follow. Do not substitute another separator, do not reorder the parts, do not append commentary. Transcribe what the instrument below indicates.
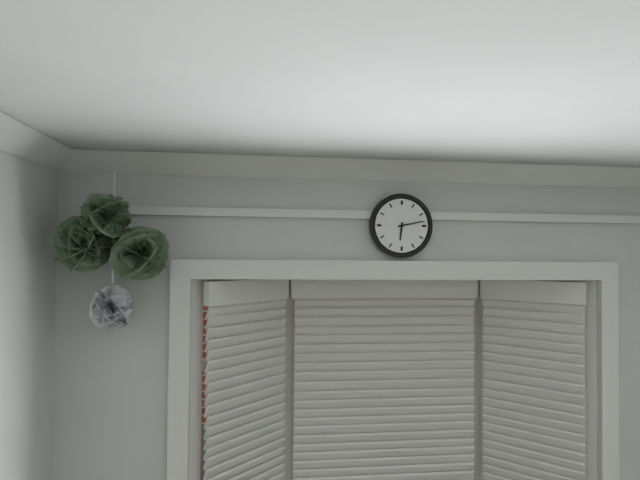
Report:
6h13
